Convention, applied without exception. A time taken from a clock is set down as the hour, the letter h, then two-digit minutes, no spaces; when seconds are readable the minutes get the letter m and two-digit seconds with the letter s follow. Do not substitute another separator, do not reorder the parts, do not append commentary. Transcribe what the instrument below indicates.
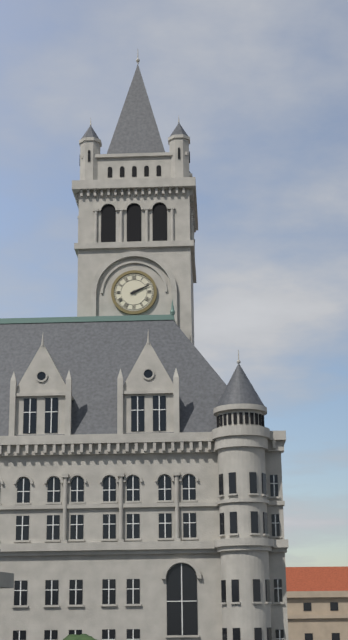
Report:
2h11
